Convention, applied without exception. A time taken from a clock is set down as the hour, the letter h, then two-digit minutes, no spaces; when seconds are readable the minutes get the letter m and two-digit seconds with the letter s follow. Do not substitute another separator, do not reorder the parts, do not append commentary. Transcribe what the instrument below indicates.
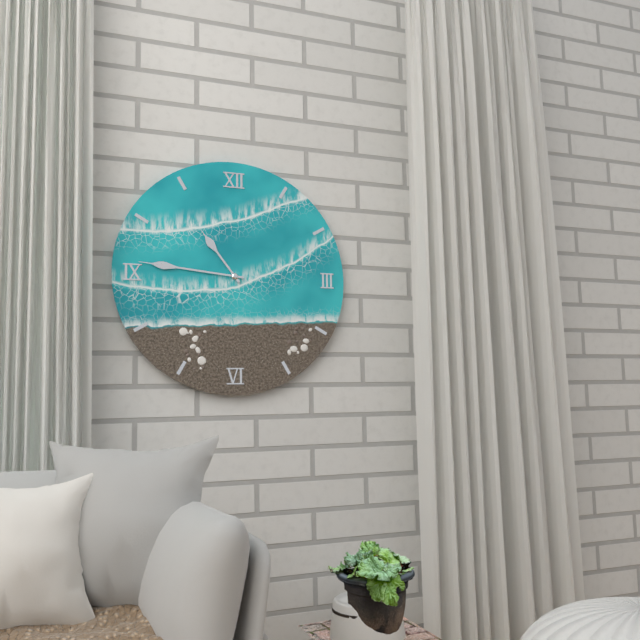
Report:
10h46
